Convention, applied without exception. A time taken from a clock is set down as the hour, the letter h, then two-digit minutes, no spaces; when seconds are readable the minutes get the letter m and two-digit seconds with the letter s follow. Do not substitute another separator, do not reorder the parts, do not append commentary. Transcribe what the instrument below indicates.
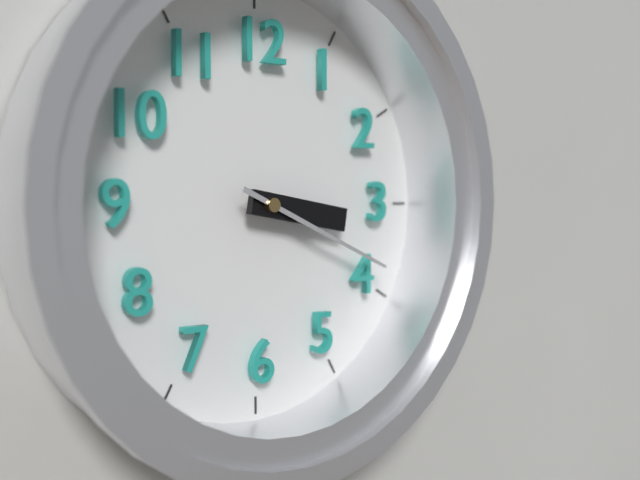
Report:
3h19
